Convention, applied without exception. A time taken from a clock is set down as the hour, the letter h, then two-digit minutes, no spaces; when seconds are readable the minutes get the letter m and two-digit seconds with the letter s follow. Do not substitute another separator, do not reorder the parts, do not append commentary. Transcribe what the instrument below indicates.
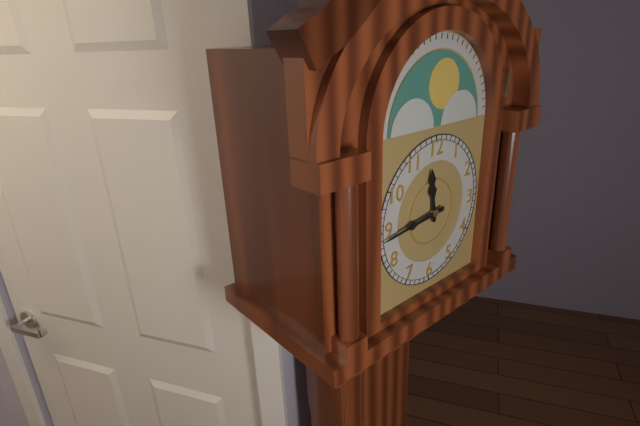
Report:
11h44
